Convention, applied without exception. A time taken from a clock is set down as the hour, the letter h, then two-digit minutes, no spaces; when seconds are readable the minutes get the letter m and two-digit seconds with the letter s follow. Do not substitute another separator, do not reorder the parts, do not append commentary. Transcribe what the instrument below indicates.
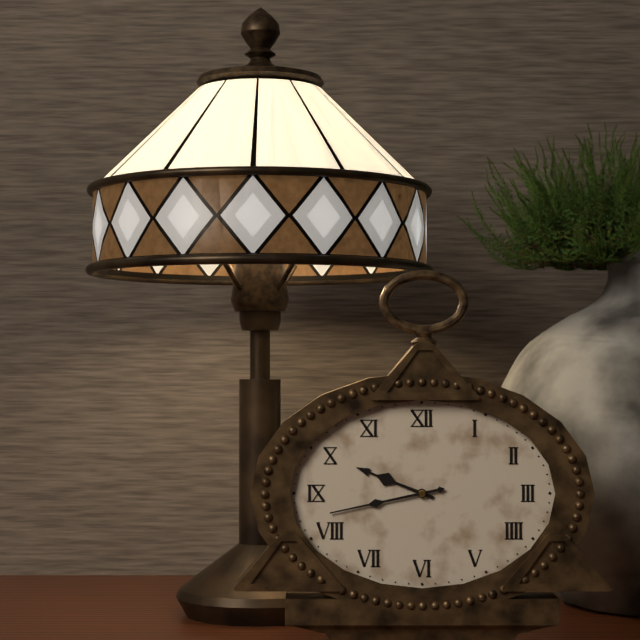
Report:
9h43
